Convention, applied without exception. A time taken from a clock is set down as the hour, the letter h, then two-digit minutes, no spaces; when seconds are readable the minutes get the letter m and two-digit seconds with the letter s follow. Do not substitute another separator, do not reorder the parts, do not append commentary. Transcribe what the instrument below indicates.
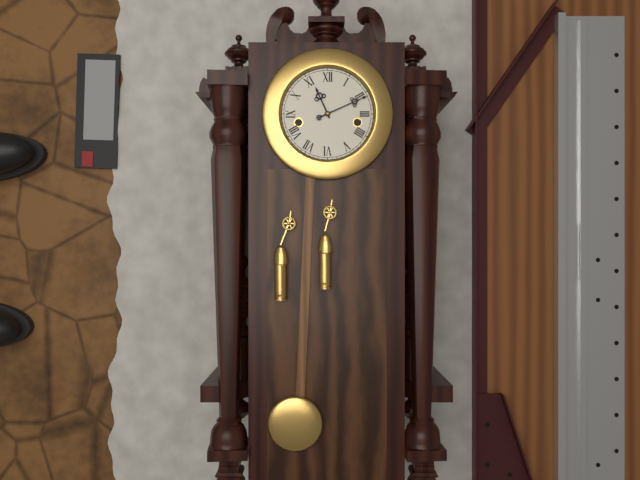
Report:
11h11
